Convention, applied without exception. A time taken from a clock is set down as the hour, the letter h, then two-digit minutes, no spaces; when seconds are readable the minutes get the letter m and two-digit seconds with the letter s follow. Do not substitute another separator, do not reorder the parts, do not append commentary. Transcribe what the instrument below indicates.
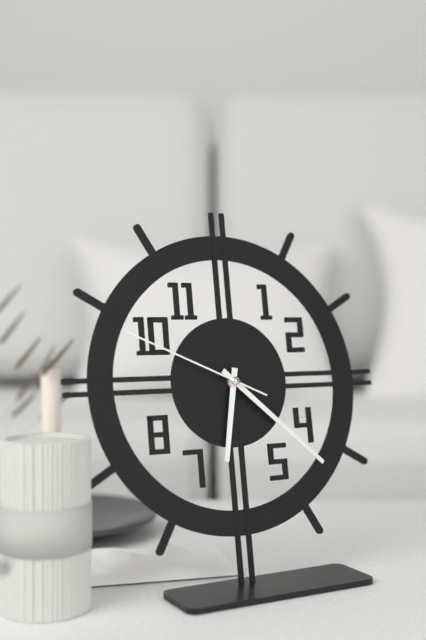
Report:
6h22m49s
